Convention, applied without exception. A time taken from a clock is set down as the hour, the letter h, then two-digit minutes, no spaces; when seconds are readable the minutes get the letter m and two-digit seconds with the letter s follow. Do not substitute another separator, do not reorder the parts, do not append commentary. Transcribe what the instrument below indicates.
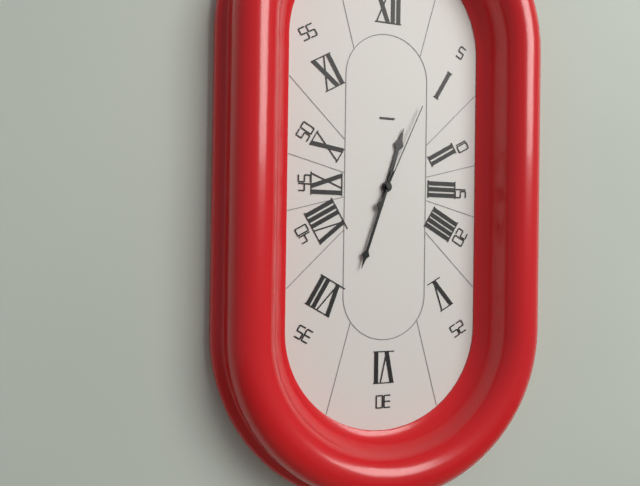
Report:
12h33m04s
